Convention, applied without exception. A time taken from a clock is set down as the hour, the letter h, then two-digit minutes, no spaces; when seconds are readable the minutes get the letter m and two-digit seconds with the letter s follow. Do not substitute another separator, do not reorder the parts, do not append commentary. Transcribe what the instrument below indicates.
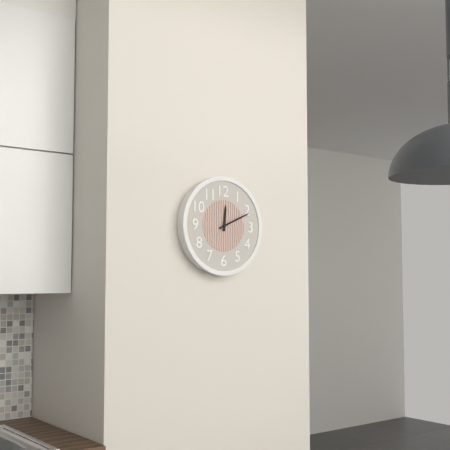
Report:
12h11
